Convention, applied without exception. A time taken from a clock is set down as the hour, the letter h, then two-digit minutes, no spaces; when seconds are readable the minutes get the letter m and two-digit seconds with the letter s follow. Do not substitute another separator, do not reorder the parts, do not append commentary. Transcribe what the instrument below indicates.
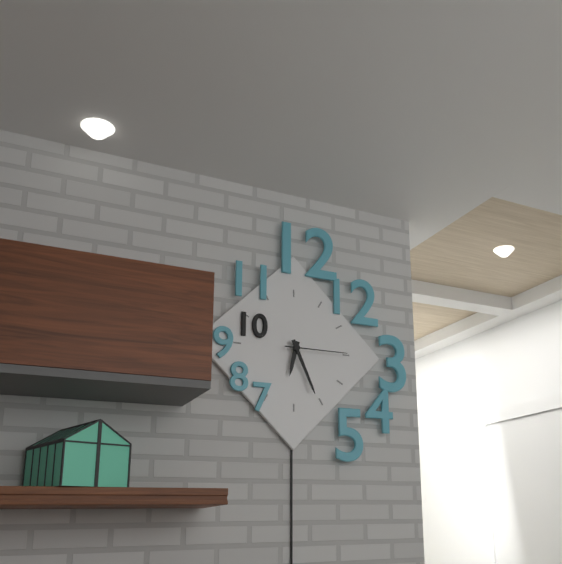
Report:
6h26m15s
